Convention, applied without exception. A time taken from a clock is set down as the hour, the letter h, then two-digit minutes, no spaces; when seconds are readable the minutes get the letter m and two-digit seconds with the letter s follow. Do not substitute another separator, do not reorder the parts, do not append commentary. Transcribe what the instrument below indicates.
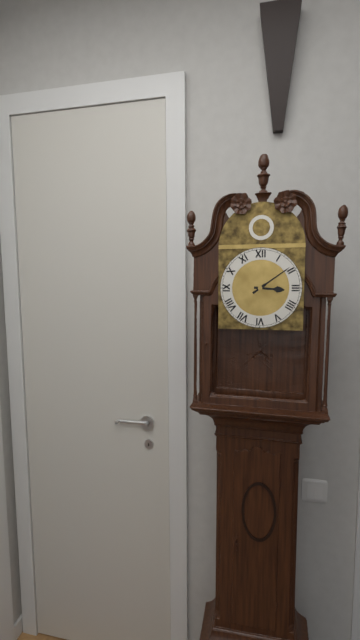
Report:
3h09
